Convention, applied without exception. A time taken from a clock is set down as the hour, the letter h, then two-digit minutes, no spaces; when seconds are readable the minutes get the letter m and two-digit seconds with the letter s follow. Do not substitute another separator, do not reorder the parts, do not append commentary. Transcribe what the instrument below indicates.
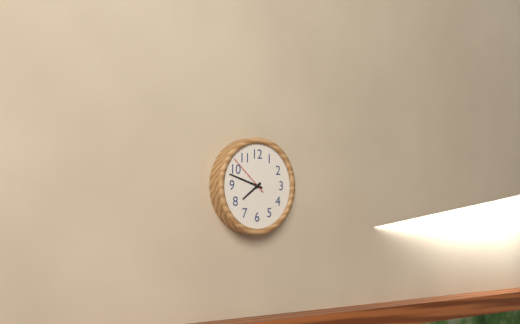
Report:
7h48
